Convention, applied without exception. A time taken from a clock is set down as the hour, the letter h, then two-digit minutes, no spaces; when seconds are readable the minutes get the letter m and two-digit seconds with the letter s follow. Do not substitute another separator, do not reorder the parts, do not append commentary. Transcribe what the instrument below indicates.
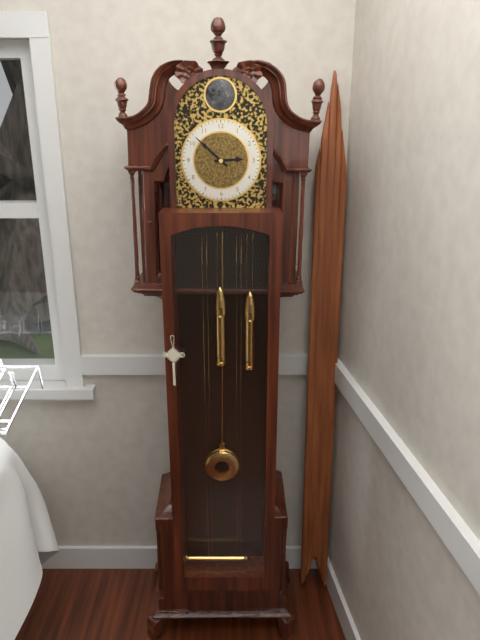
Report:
2h52
